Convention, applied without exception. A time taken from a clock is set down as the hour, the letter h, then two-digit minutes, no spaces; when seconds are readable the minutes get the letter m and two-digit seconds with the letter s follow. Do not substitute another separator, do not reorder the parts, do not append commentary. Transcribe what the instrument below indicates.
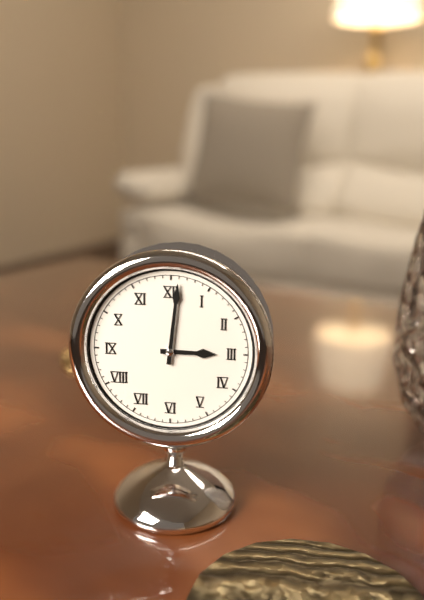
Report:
3h01
